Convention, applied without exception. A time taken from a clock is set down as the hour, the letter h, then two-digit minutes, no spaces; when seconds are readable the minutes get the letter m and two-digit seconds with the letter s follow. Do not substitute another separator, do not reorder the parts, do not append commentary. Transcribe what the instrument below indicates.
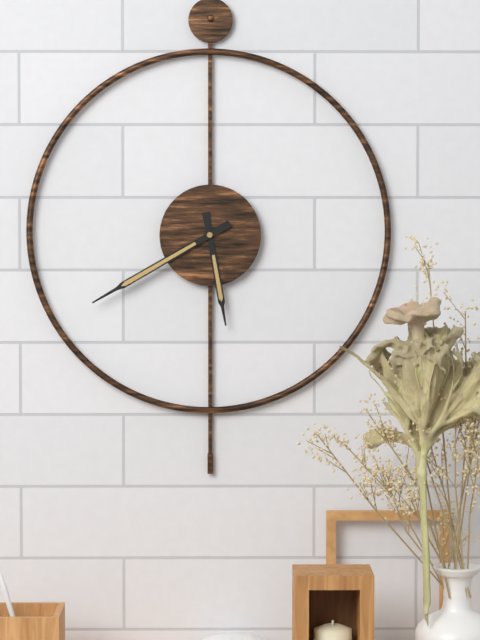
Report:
5h40
